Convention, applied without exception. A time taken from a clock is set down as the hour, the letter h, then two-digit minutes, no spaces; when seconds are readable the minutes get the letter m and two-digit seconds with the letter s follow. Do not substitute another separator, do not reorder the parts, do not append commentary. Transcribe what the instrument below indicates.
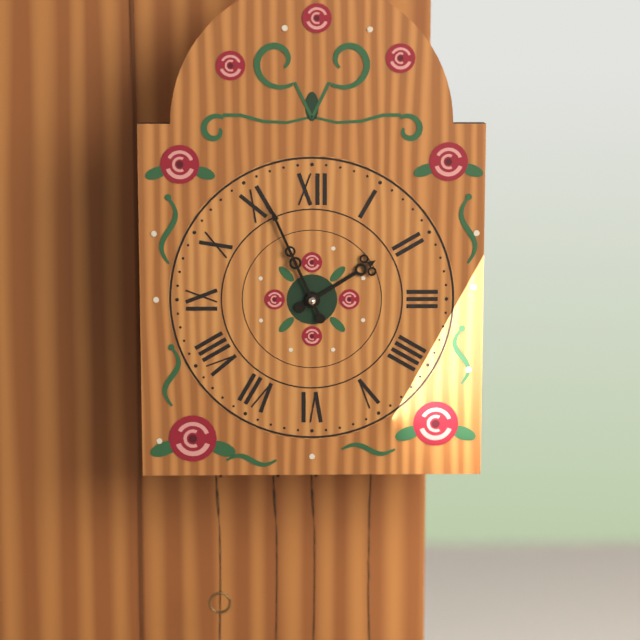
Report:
1h56
